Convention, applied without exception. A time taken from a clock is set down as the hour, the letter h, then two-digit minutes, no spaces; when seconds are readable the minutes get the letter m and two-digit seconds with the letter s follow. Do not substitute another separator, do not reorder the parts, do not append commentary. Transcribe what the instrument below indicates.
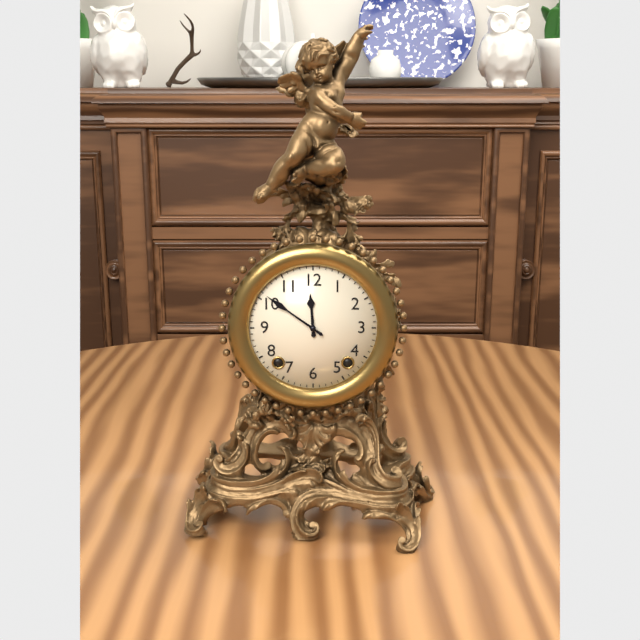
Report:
11h51
